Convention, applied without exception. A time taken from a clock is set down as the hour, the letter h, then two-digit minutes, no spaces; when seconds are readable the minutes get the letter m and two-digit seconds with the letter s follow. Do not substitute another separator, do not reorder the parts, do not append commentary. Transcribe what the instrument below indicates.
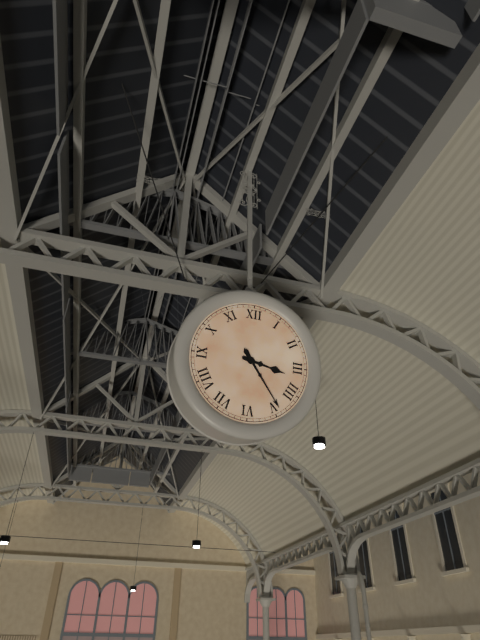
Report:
3h24
